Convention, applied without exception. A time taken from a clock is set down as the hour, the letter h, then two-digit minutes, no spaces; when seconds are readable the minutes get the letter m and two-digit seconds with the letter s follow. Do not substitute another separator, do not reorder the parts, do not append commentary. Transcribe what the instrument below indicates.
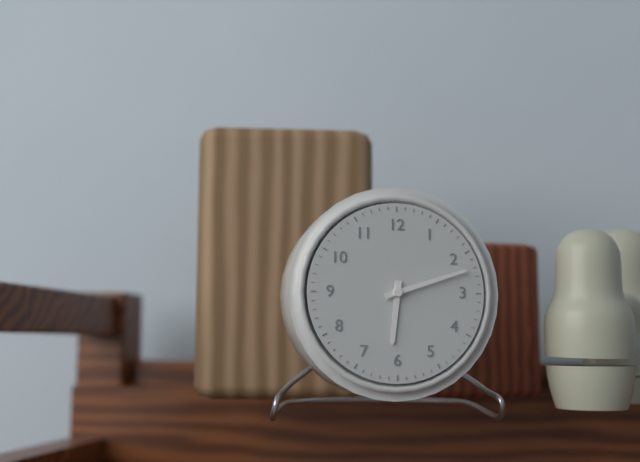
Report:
6h12
